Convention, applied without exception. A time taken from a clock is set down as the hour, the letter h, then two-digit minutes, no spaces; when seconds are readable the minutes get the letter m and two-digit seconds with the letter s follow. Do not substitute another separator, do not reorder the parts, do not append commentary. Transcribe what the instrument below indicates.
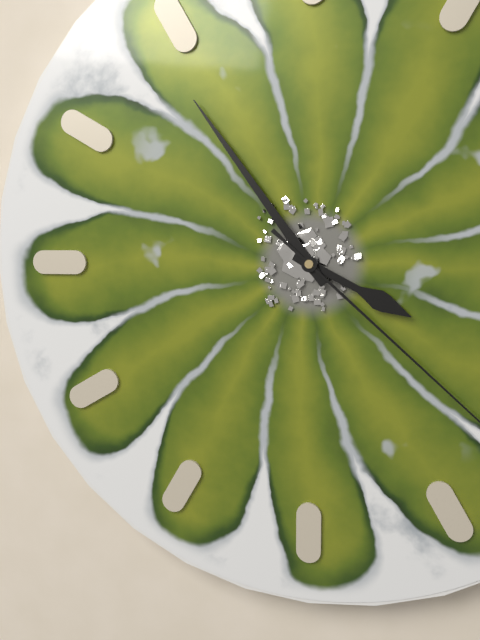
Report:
3h54
